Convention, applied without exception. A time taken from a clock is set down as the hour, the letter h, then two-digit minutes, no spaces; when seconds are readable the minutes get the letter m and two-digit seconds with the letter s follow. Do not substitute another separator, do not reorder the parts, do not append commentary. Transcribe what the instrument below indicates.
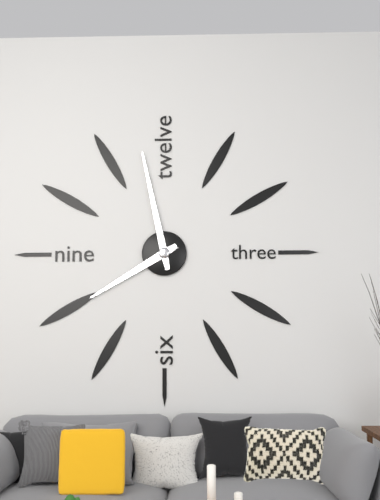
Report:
7h58
